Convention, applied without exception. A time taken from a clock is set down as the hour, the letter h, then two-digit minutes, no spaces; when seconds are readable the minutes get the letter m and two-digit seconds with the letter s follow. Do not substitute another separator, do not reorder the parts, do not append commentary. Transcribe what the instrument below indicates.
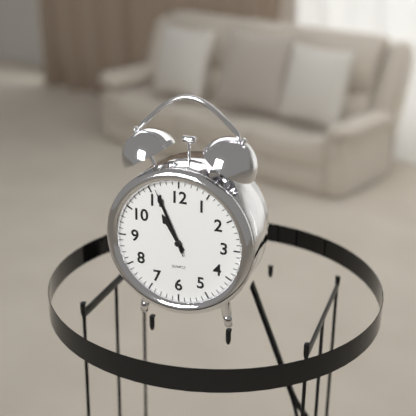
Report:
10h56m56s
